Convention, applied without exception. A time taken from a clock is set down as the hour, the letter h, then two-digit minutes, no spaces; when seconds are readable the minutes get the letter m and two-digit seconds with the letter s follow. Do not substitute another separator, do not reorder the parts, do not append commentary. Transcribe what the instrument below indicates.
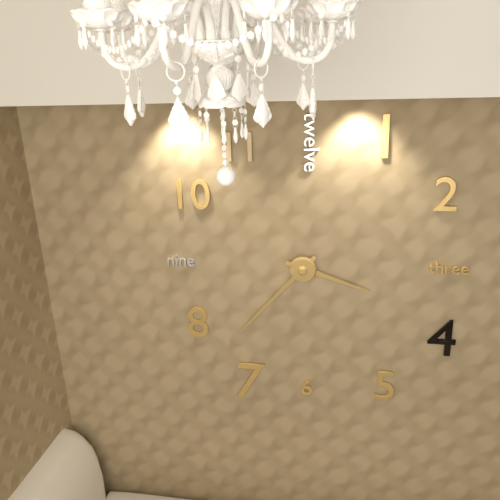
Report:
3h37
